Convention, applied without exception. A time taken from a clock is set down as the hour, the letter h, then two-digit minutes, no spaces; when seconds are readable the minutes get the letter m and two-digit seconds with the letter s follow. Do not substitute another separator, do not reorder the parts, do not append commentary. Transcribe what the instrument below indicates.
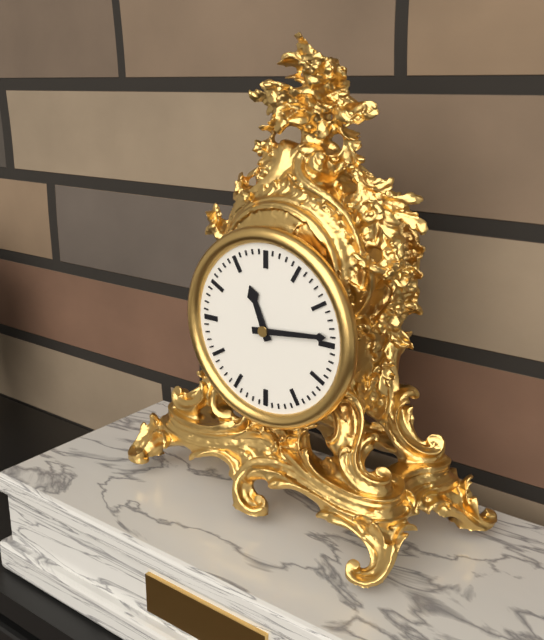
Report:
11h14
